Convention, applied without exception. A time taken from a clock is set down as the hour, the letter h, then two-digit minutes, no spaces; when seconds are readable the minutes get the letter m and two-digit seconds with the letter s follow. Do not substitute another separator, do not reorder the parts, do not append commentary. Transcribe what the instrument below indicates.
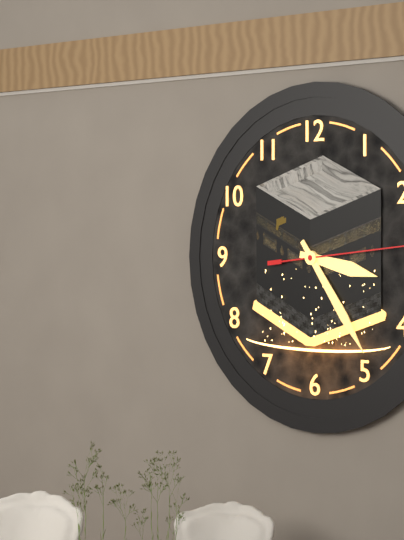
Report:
3h24
